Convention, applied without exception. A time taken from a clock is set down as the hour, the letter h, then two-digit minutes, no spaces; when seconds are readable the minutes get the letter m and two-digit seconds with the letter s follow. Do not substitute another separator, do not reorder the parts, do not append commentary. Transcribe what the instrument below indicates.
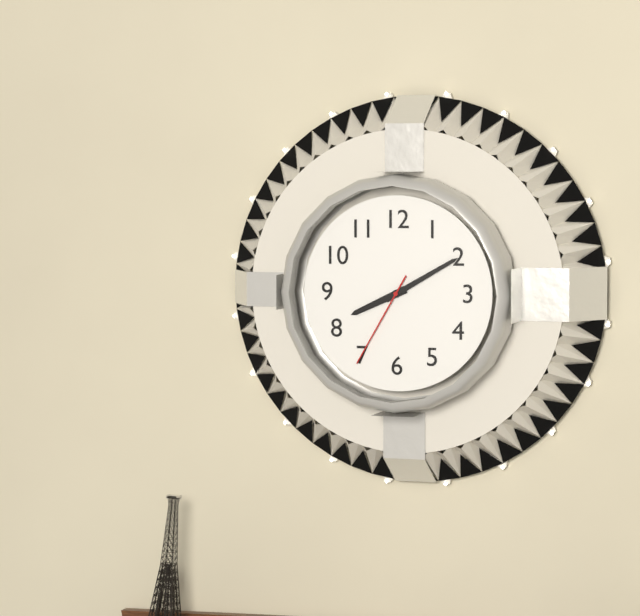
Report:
8h10m35s
